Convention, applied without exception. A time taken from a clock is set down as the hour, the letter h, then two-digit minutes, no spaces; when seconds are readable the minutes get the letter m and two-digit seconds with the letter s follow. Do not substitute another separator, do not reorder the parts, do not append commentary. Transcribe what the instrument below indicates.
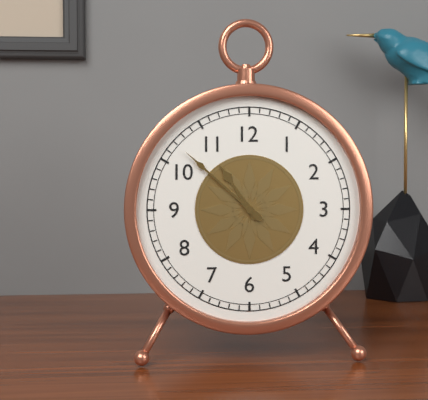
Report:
10h52
